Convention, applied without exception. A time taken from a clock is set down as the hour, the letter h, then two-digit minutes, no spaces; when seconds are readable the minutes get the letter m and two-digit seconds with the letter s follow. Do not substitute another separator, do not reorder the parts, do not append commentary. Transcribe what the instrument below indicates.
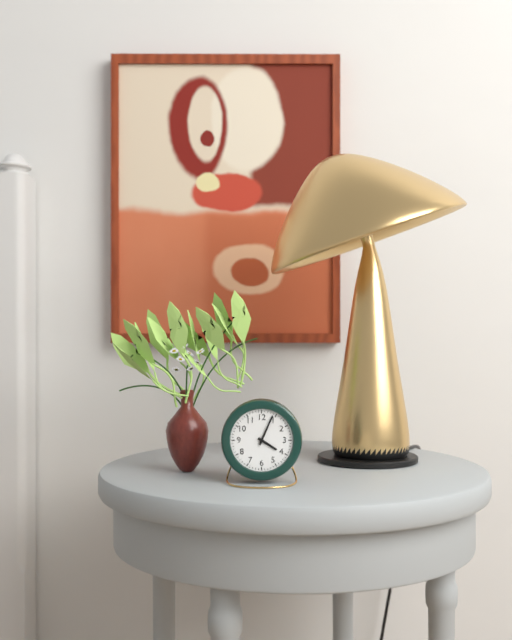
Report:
4h04
